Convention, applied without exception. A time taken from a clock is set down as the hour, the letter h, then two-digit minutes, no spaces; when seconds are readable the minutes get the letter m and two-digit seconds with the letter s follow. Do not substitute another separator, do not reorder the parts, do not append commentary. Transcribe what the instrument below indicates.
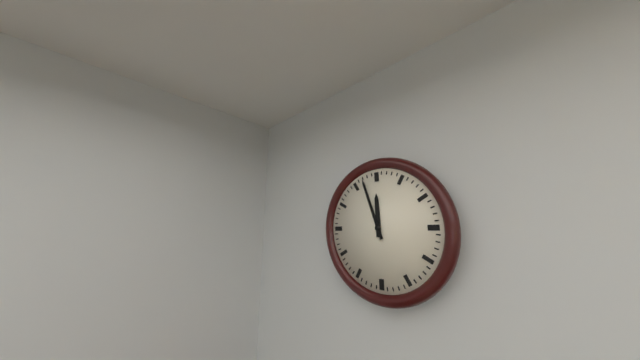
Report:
11h57
